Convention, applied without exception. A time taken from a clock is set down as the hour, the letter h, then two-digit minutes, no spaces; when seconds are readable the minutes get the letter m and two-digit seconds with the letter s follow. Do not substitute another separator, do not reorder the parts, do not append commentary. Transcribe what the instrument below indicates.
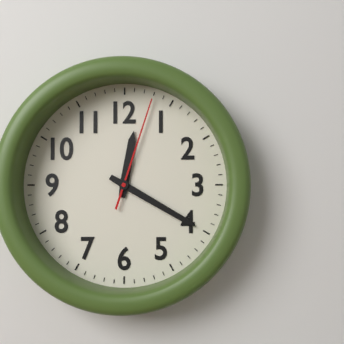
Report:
12h20m03s
